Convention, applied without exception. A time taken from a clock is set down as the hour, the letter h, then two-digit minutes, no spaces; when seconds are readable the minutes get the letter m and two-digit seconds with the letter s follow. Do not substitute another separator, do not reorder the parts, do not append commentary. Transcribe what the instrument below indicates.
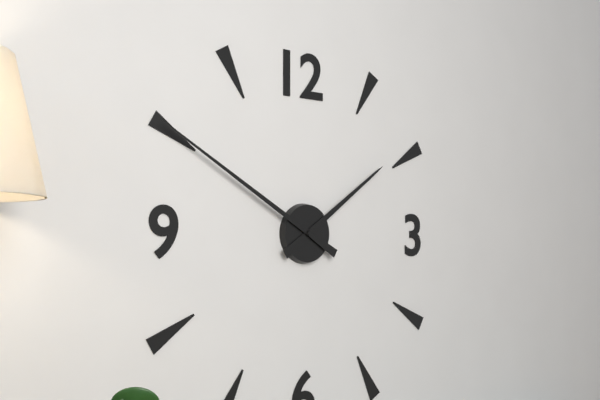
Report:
1h50
